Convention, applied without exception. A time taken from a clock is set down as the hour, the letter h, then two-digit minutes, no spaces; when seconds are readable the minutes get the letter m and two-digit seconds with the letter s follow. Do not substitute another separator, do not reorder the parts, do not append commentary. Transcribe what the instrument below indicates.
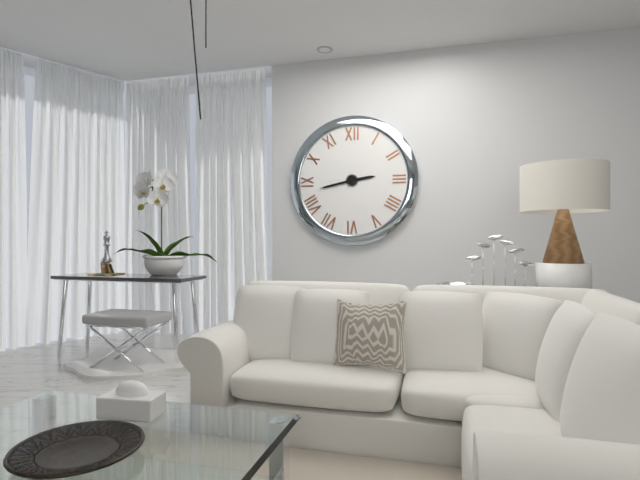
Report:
2h43
